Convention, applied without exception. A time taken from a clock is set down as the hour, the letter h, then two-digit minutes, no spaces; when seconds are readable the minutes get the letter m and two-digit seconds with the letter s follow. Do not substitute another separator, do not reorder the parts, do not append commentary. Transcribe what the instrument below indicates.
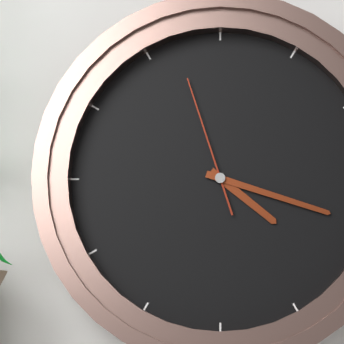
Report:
4h18m57s
